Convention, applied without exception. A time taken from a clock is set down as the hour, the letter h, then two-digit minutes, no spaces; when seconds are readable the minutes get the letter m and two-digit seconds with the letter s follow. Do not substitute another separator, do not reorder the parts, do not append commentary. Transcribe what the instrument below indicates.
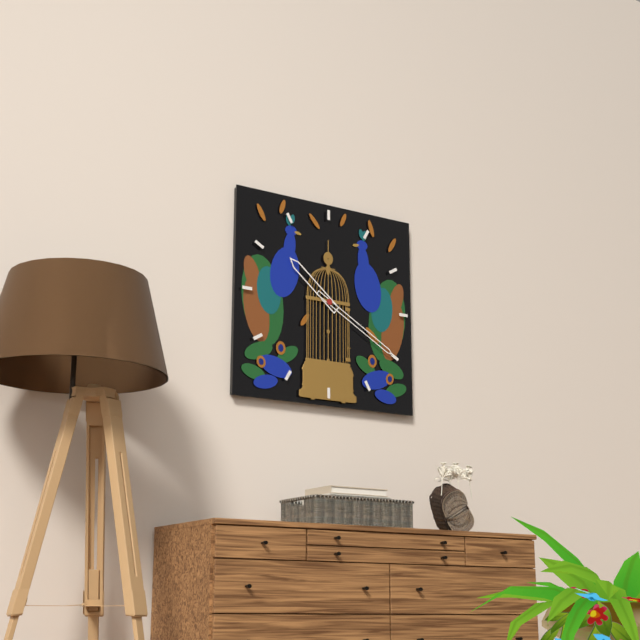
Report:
10h20
